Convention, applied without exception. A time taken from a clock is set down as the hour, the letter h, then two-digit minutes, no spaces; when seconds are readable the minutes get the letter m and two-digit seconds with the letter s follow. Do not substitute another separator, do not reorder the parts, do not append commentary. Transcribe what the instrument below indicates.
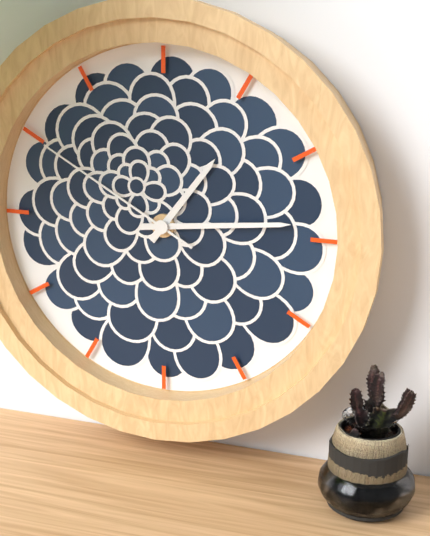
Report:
1h14m50s
